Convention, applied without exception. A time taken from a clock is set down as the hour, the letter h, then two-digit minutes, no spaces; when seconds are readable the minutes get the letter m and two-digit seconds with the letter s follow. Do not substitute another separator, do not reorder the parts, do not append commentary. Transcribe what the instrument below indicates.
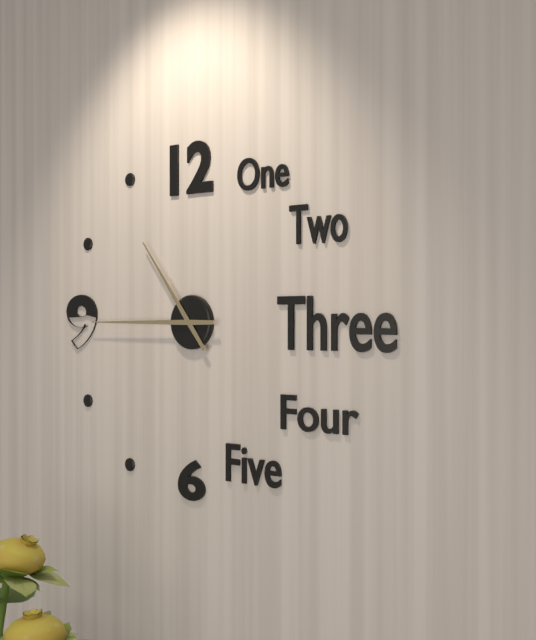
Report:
10h45
